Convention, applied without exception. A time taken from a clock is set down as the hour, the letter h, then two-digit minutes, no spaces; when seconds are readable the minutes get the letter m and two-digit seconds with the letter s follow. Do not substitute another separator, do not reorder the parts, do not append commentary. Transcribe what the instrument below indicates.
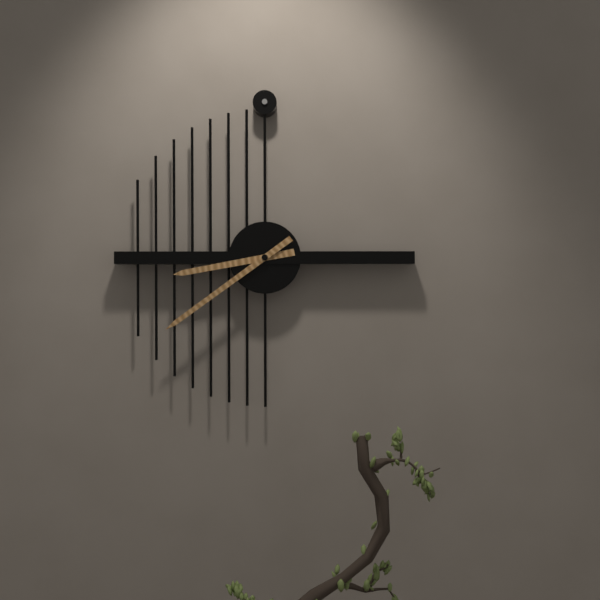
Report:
8h39
